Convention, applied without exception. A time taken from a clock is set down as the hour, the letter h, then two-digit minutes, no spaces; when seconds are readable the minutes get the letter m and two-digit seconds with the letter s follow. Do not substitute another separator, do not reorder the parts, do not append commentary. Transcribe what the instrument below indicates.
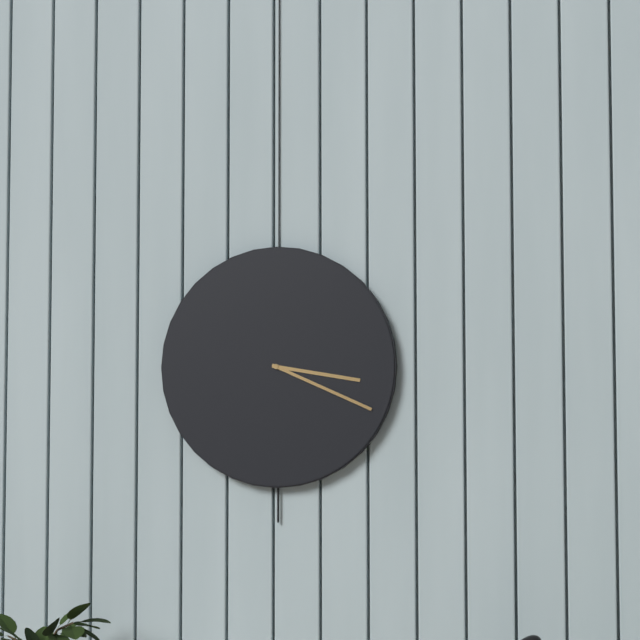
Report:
3h19
